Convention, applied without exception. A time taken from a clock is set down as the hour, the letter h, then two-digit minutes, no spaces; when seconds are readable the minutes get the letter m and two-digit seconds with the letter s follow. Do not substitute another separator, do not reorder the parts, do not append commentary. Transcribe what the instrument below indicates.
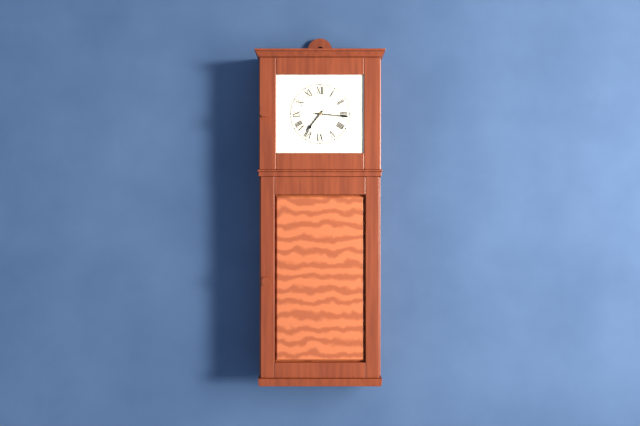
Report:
7h16
